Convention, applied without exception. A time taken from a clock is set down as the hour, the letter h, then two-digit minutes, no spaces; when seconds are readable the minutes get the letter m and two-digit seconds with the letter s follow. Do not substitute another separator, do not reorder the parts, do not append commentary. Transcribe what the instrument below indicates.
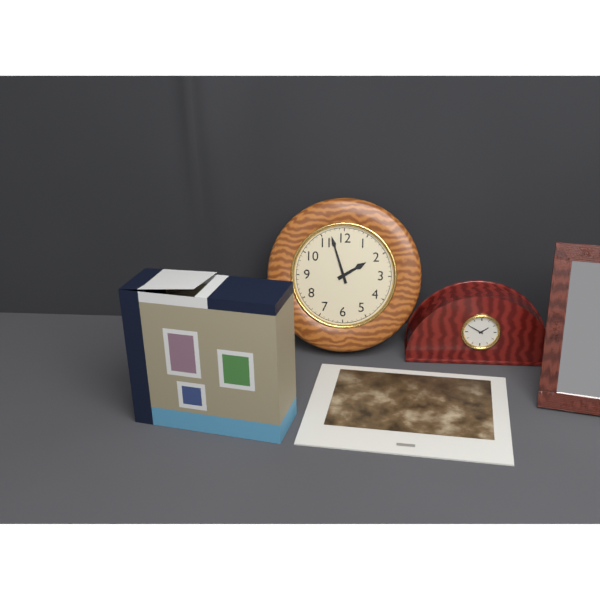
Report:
1h57
